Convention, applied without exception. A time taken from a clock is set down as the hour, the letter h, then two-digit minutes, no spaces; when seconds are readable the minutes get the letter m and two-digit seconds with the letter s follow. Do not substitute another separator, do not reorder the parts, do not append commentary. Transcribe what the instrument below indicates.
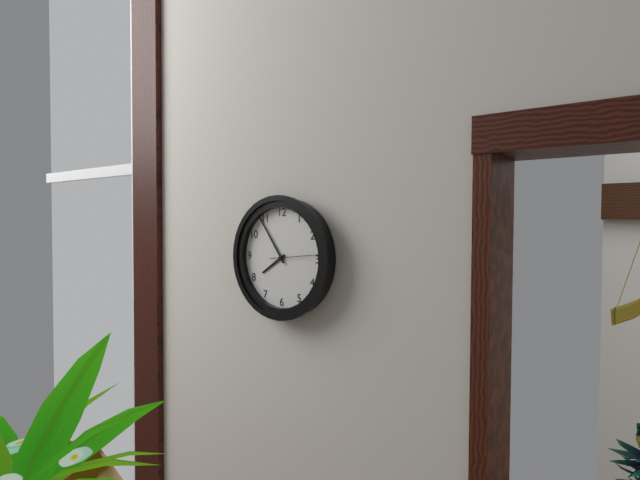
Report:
7h54
